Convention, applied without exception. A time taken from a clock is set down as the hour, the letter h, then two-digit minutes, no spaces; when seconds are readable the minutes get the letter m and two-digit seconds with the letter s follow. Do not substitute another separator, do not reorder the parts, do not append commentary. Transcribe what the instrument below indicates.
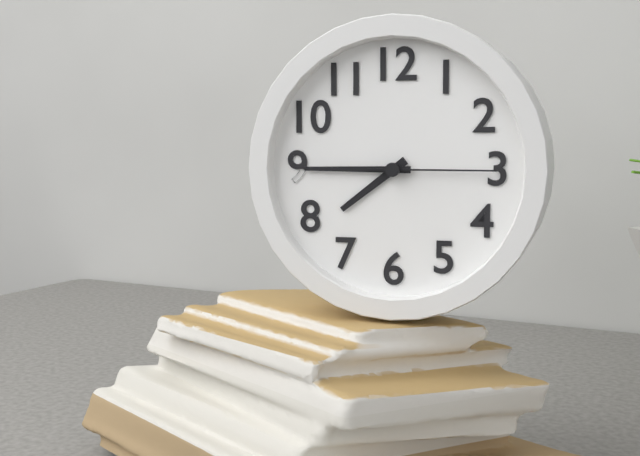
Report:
7h45m15s
